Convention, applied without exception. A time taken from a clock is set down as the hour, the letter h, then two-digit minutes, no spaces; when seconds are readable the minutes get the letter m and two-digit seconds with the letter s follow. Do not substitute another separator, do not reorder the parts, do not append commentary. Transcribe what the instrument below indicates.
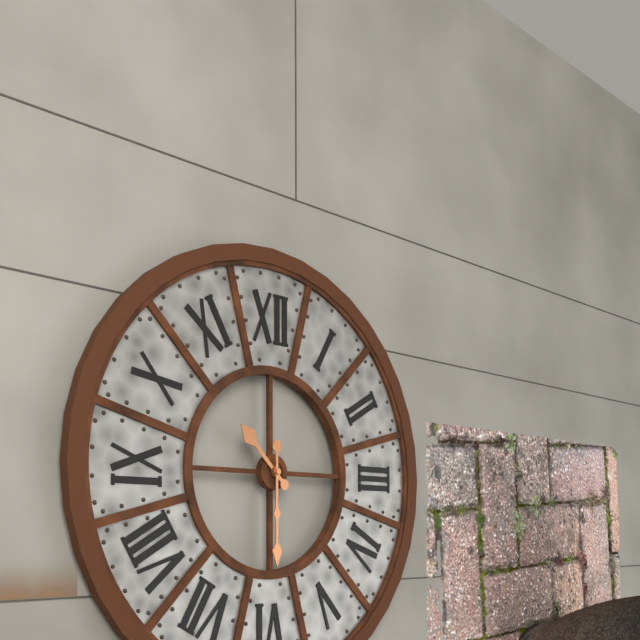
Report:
10h30
